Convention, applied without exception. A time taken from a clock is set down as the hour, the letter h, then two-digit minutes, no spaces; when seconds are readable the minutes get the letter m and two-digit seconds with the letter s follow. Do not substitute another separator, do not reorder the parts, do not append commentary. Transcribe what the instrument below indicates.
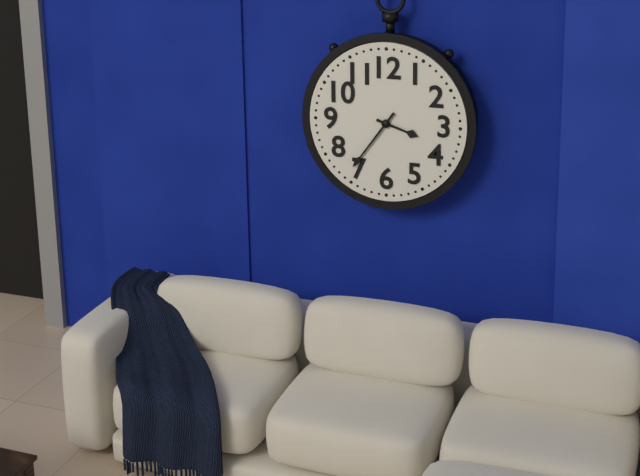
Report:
3h36
